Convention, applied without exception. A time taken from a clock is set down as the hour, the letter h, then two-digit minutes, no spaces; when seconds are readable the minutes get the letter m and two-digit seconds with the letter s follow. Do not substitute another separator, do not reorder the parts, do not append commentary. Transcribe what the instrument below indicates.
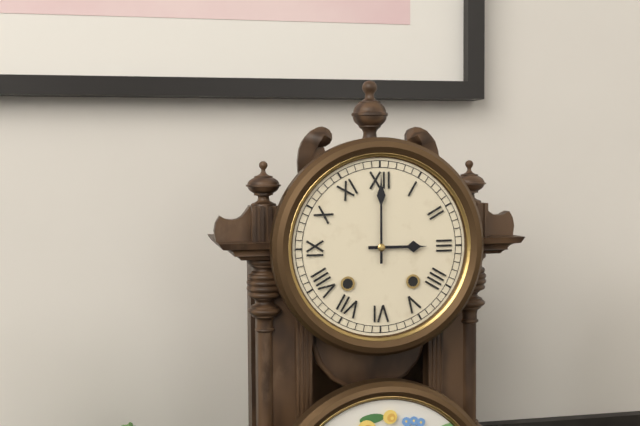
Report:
3h00
